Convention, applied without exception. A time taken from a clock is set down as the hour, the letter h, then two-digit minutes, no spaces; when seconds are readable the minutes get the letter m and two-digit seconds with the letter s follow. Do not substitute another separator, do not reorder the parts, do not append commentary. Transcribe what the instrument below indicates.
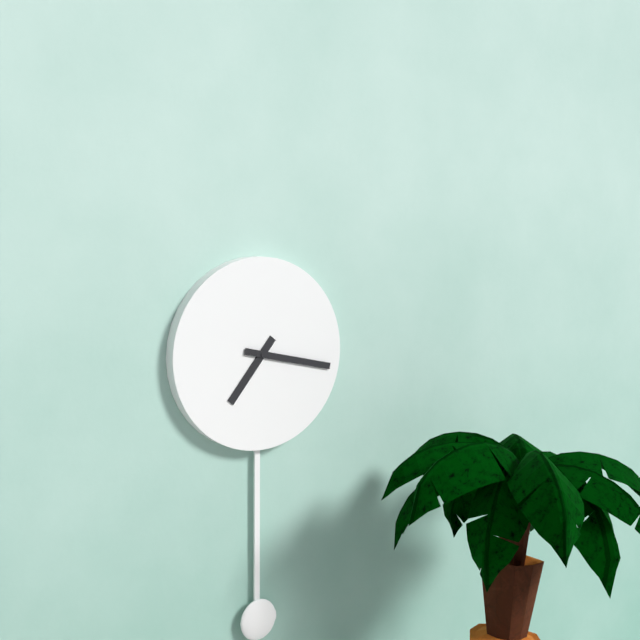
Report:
7h17
